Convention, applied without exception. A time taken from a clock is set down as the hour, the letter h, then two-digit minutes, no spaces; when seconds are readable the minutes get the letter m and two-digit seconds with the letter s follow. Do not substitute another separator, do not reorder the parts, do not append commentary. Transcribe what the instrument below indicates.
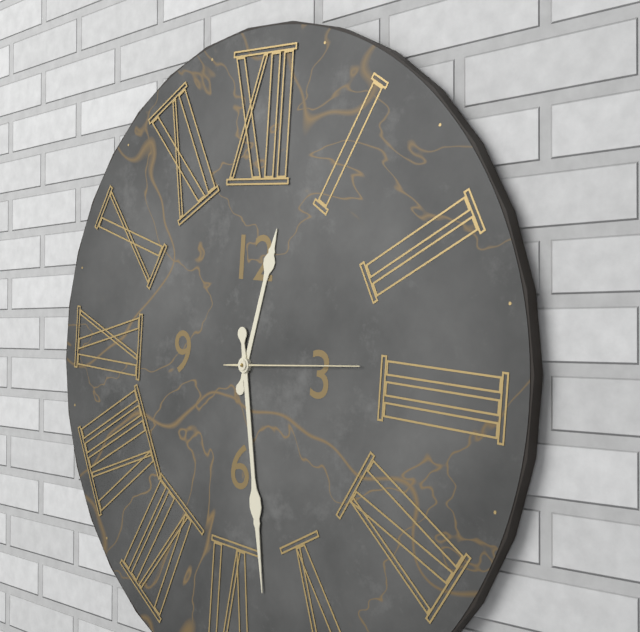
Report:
12h28m14s
